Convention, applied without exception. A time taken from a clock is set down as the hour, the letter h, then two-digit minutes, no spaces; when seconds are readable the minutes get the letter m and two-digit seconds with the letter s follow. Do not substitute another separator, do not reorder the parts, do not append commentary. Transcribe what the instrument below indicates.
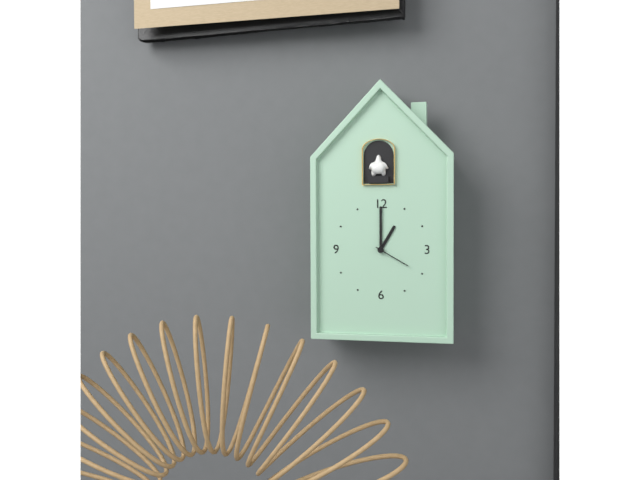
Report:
1h00
